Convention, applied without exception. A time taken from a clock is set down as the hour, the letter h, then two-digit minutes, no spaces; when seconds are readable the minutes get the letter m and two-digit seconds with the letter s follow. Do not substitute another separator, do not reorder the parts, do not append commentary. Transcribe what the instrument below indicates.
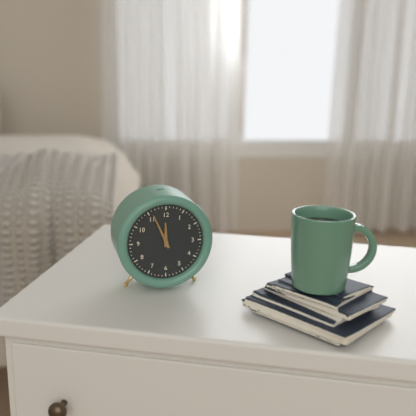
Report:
11h56
